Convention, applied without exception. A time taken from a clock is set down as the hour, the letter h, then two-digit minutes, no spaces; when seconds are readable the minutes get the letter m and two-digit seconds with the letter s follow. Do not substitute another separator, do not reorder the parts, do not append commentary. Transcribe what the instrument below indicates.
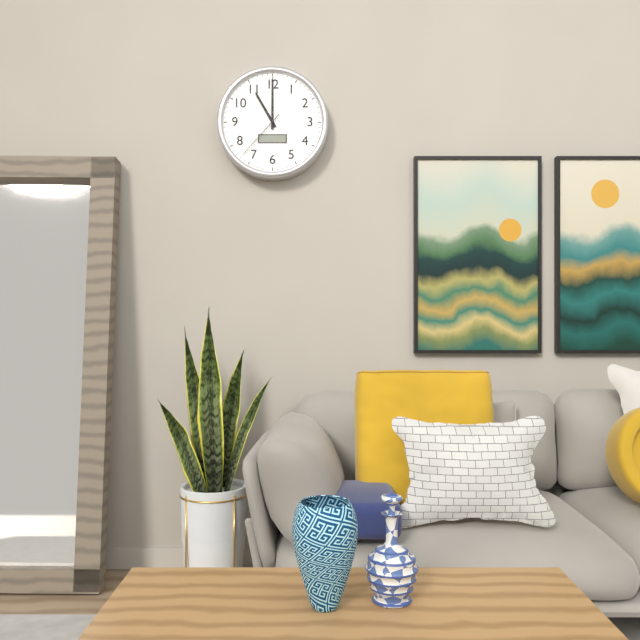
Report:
11h00m37s
